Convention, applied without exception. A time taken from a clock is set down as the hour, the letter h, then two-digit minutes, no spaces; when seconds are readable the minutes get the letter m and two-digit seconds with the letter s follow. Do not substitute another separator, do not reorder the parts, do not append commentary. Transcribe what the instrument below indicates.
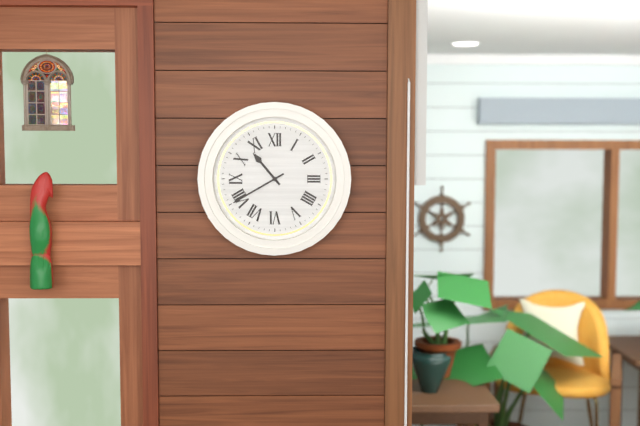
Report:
10h40
